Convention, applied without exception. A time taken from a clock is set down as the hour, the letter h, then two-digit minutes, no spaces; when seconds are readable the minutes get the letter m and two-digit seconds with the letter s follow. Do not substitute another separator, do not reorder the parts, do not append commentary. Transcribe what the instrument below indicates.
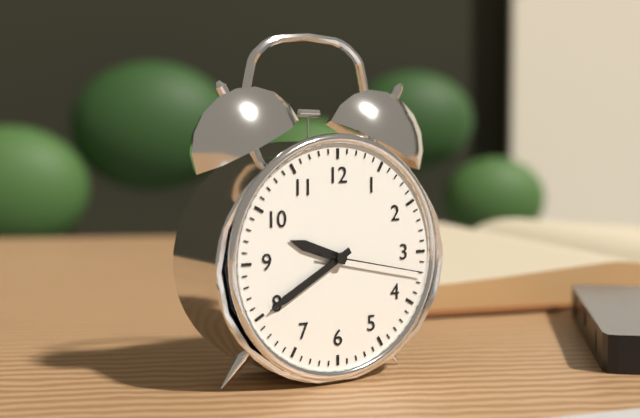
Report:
9h40m17s
